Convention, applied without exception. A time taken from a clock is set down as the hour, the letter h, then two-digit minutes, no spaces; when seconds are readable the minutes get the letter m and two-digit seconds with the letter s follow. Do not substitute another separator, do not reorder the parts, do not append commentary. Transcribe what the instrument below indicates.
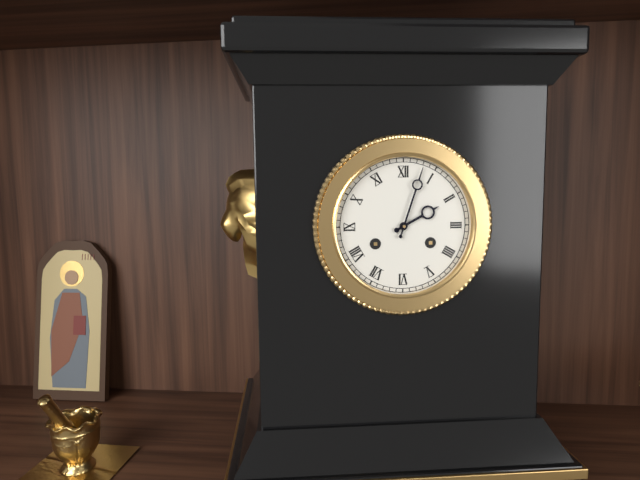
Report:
2h03
